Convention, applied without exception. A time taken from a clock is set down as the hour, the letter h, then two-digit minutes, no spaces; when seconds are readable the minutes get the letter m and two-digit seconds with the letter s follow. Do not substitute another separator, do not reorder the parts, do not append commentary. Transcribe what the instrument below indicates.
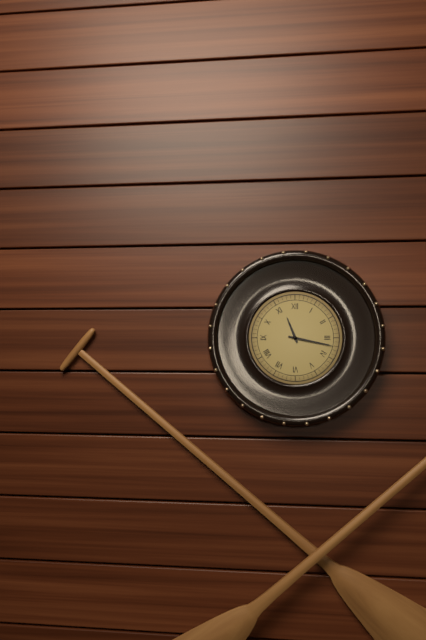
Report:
11h17
